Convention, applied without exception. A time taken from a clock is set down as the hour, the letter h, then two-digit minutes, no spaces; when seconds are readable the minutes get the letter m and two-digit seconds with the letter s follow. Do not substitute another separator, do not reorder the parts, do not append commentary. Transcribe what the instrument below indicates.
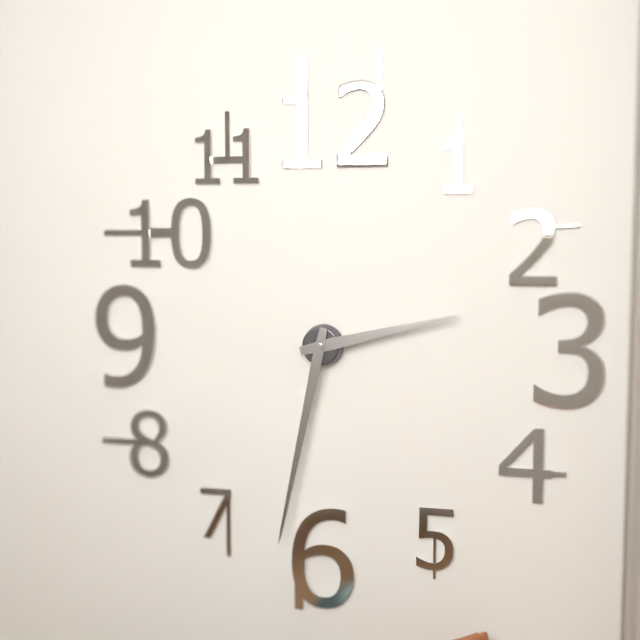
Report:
2h32
